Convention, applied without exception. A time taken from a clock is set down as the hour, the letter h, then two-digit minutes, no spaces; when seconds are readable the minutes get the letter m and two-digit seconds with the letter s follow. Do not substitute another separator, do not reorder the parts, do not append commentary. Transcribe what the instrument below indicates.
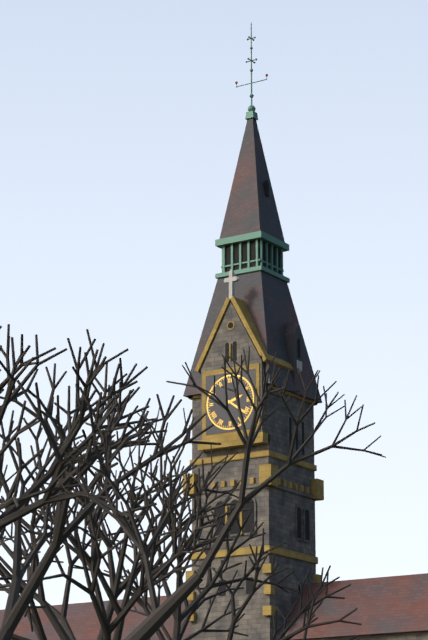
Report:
2h21
